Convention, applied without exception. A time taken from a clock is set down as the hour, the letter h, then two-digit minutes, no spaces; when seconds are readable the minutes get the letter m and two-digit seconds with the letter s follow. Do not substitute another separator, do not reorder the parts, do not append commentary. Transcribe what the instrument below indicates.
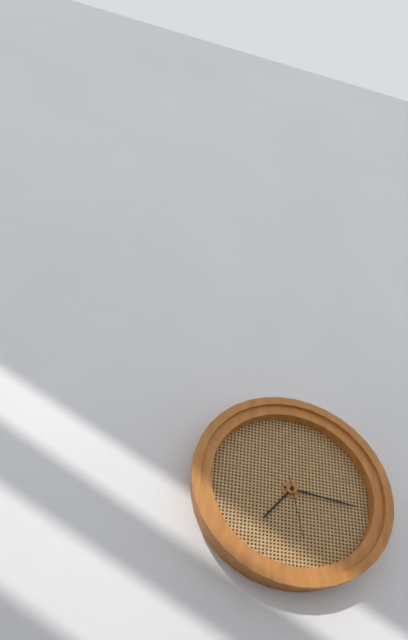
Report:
7h16m28s
